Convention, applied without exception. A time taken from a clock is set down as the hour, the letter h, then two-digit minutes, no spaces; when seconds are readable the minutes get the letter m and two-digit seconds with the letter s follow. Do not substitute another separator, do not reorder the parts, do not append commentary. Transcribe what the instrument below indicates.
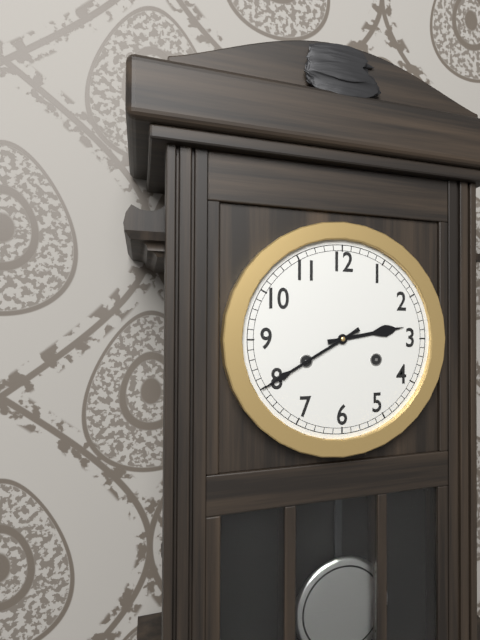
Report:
2h40
